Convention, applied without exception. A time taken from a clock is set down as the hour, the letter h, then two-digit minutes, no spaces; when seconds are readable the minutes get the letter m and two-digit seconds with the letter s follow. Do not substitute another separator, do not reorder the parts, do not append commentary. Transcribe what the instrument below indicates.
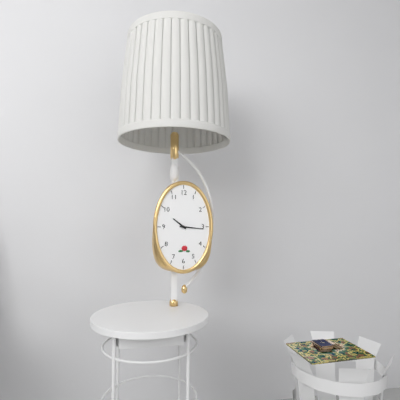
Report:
10h16
